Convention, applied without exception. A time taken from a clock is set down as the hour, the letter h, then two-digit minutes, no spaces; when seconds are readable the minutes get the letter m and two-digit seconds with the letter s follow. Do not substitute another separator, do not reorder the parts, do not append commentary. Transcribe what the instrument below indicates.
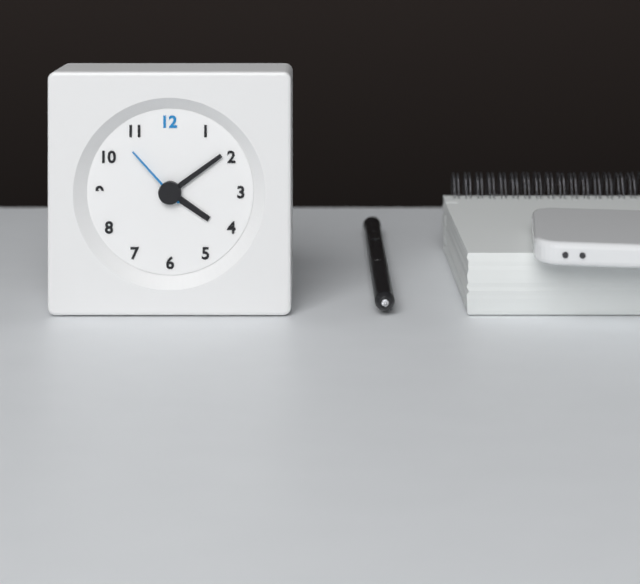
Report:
4h09m53s
